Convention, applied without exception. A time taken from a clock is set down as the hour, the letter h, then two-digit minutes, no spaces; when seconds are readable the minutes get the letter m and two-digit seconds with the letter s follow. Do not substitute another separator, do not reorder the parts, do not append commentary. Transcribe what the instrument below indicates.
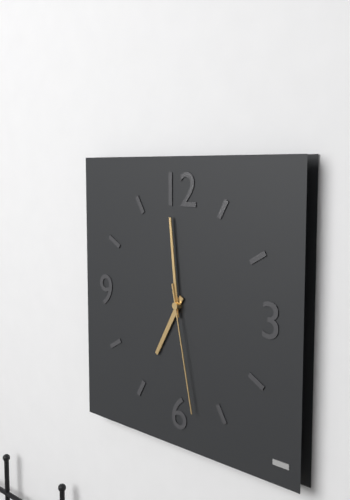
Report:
6h59m28s
